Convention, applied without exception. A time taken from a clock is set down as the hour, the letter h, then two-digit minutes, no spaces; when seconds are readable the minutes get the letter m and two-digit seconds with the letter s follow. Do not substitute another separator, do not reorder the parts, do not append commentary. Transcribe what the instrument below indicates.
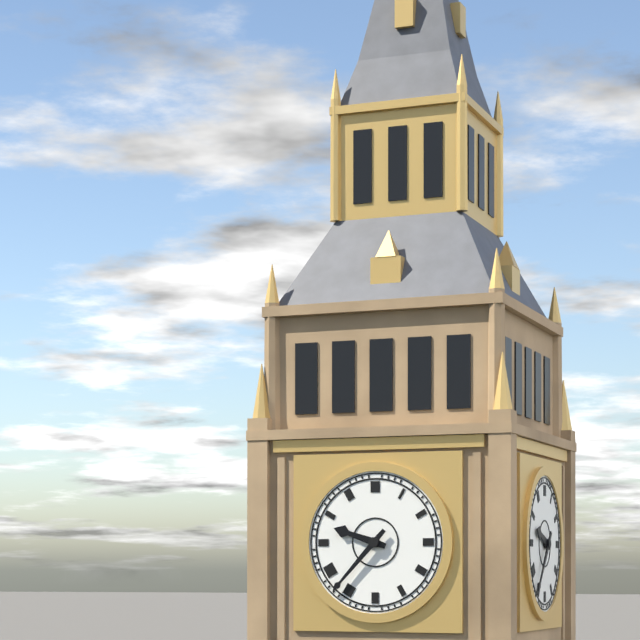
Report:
9h37
